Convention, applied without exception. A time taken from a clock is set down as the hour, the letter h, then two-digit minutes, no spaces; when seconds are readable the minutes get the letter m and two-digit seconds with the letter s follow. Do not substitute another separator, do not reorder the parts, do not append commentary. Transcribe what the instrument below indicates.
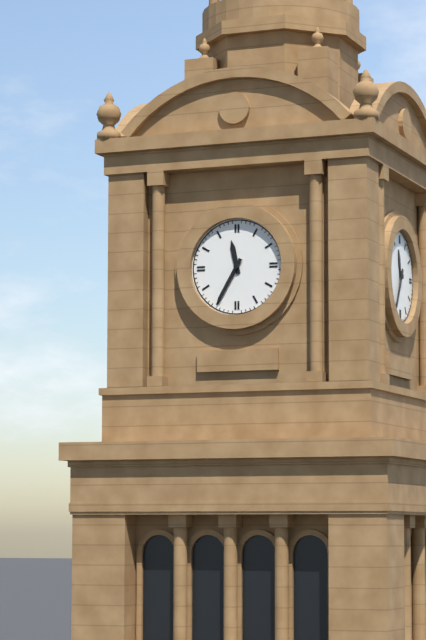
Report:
11h35
